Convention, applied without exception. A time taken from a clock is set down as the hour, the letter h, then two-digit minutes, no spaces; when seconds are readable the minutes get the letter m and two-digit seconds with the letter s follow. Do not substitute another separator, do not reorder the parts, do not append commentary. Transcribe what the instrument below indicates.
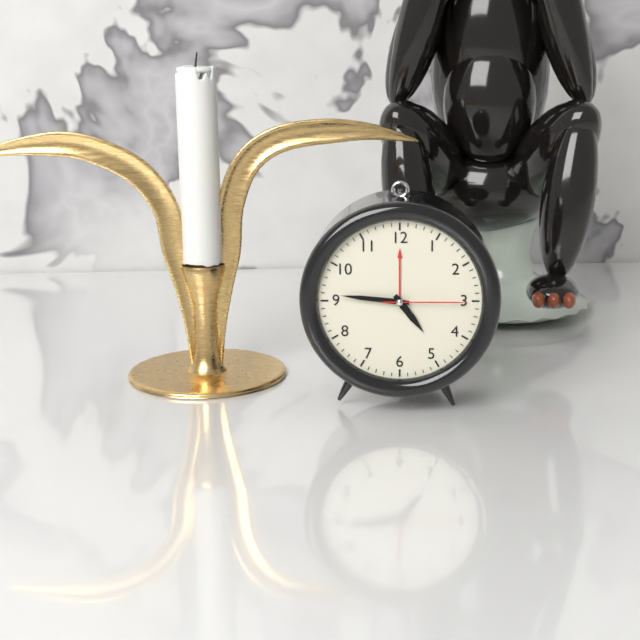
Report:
4h46m15s
